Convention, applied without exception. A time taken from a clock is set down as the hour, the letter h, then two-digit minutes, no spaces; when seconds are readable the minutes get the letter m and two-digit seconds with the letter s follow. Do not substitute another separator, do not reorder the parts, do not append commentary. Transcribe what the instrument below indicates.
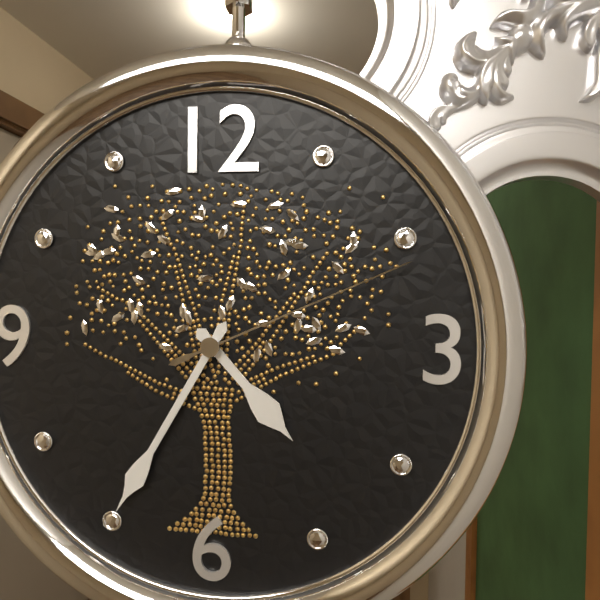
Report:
4h35m11s
